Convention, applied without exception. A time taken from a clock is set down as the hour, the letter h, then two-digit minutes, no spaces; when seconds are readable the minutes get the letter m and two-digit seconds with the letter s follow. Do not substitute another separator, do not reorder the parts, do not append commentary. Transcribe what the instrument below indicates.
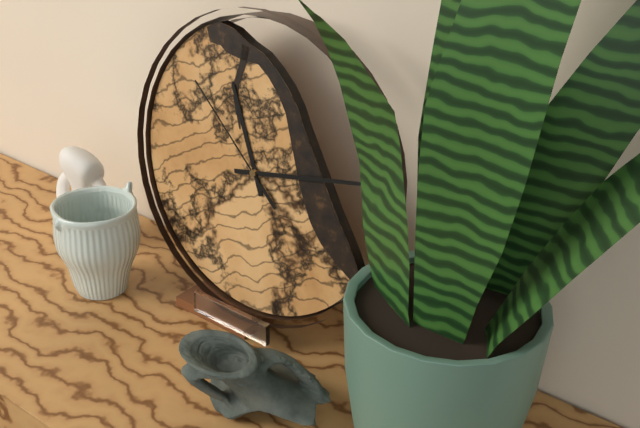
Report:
11h13m52s
